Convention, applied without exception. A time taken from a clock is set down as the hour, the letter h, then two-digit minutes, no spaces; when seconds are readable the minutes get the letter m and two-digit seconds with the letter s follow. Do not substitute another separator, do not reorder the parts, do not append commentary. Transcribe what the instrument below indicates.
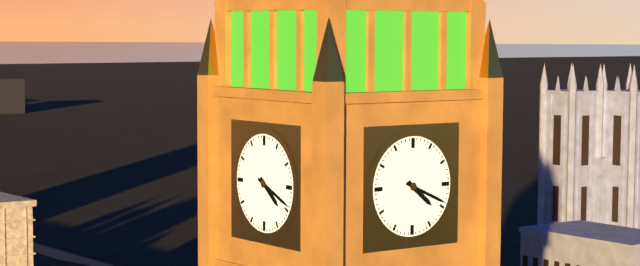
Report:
4h19
